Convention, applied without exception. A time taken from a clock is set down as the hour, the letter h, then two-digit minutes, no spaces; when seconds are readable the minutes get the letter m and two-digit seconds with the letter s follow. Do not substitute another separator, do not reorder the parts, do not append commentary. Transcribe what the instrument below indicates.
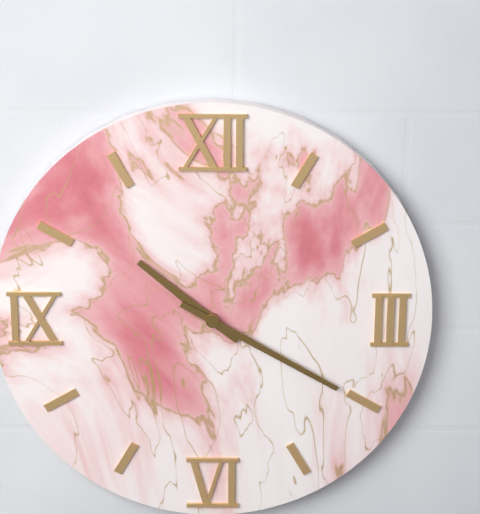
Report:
10h20
